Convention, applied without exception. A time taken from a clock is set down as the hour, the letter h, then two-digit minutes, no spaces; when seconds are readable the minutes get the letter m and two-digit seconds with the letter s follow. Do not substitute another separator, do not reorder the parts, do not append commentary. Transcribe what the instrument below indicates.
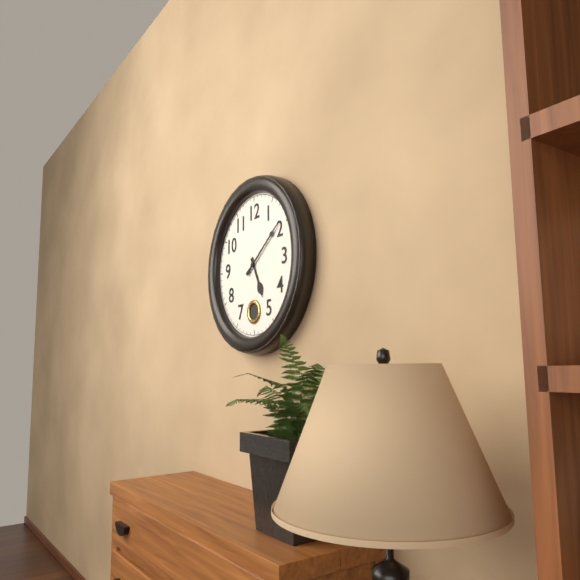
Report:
5h09
